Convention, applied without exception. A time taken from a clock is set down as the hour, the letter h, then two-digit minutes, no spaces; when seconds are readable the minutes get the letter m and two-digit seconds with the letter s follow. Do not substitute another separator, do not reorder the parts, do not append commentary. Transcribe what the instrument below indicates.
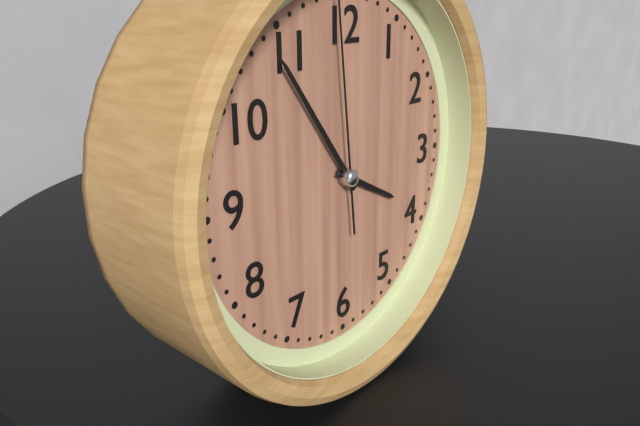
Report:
3h54
